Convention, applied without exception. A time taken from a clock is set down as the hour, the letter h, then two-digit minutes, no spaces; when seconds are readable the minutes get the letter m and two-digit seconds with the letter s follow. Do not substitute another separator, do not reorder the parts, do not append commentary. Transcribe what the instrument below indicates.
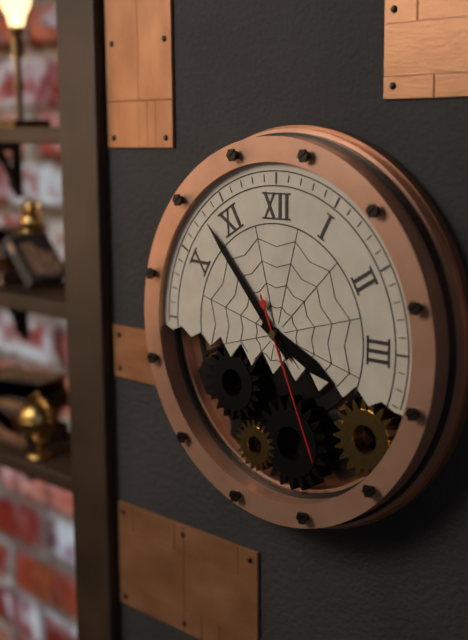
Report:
3h53m26s
